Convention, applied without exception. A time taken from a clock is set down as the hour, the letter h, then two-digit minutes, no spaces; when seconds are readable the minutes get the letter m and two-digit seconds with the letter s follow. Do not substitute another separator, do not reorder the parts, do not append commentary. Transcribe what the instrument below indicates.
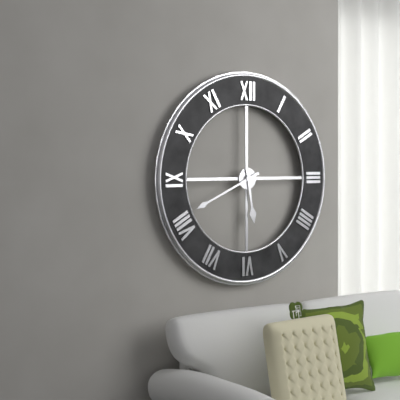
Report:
5h41
